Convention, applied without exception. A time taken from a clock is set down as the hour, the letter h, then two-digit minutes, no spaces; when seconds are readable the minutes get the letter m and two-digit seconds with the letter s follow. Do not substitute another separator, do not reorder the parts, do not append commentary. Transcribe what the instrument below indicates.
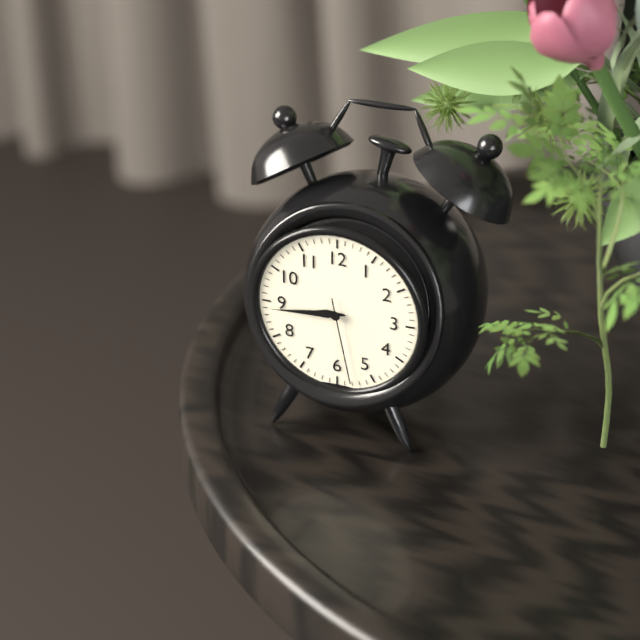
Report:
8h44m28s
